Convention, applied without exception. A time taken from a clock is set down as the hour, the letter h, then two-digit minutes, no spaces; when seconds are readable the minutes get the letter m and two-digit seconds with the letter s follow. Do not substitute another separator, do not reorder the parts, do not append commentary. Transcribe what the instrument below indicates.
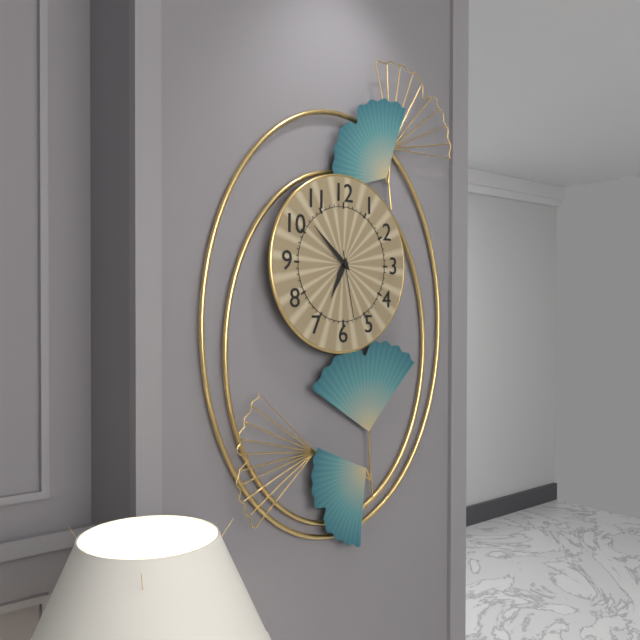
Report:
6h52m28s
